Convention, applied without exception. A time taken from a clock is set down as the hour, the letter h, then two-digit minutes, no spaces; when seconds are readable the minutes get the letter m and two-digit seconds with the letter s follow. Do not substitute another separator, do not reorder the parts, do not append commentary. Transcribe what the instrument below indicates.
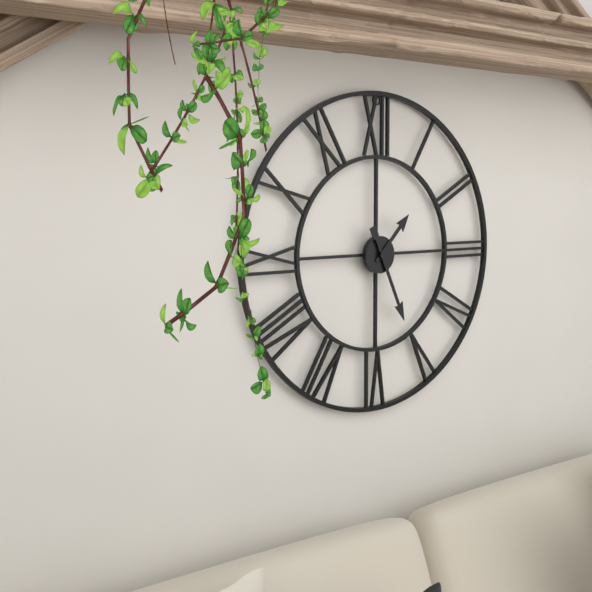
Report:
1h26
